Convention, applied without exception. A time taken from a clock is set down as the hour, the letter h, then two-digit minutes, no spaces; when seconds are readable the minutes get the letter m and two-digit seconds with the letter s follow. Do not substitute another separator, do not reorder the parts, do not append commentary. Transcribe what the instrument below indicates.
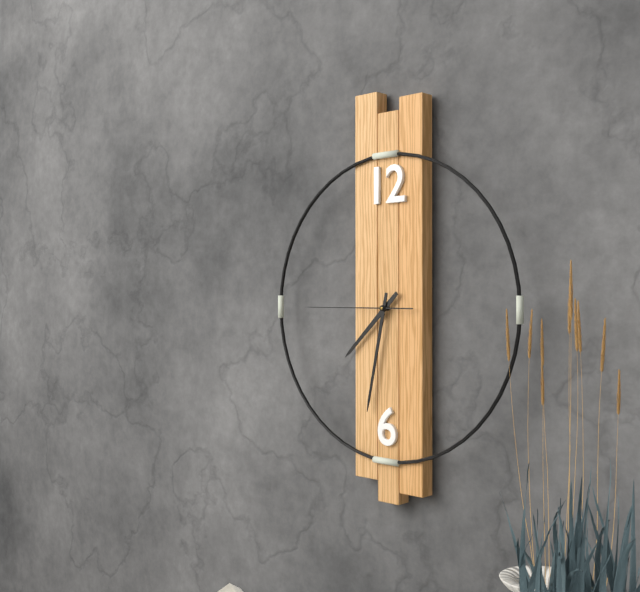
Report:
7h32m45s
